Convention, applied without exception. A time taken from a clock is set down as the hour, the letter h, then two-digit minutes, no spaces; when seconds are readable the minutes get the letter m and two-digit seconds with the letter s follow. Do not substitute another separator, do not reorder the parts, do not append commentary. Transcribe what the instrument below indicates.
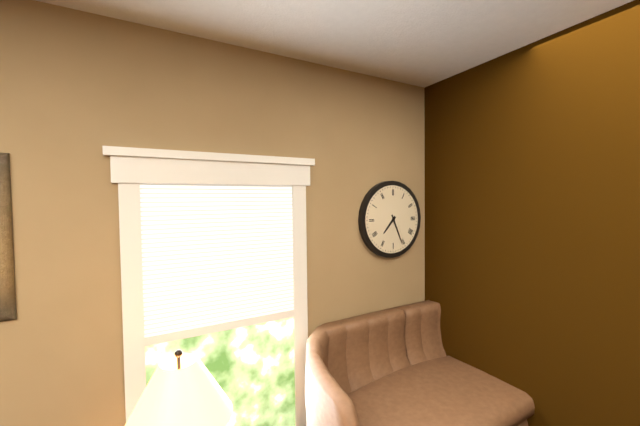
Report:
7h26
